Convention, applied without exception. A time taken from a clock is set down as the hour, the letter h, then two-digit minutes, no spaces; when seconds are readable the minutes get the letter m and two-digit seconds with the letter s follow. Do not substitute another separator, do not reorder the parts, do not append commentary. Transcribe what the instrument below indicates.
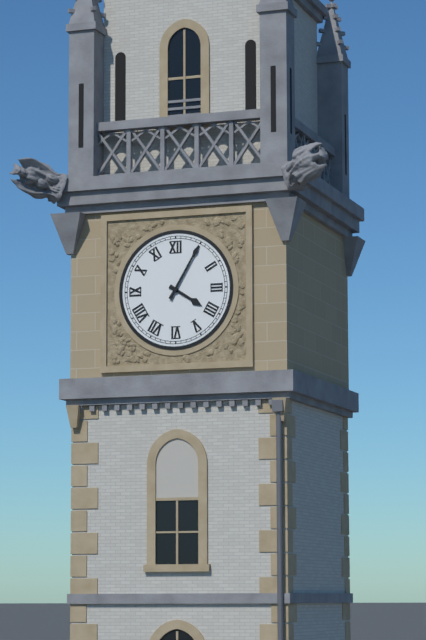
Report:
4h05
